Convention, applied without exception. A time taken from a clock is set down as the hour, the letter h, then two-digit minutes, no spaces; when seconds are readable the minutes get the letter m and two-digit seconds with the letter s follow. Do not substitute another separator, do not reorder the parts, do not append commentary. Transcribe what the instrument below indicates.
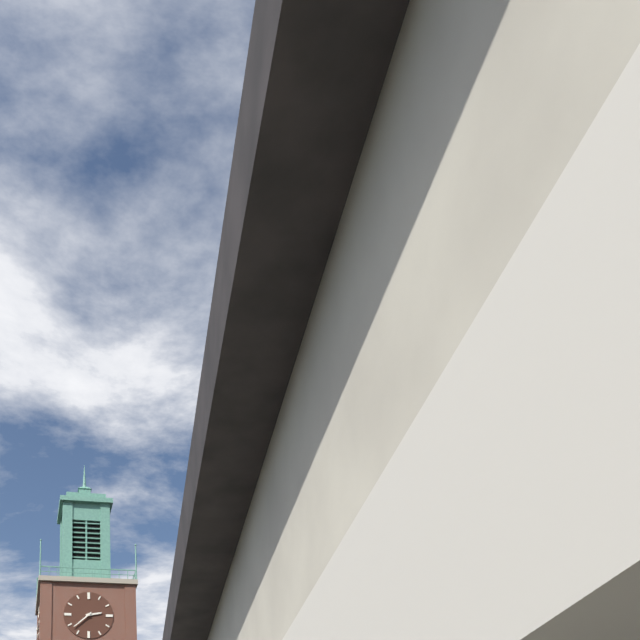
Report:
2h38
